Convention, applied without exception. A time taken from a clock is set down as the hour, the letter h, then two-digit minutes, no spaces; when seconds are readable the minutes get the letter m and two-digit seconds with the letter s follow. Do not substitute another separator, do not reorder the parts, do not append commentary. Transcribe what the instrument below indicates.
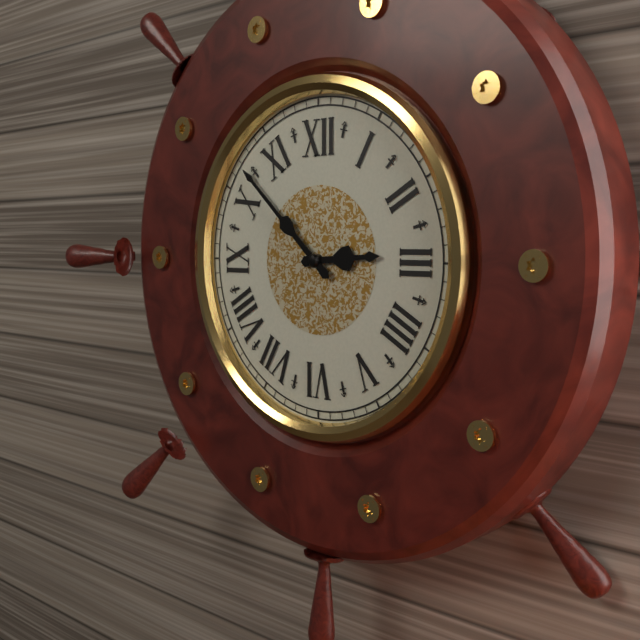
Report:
2h52
